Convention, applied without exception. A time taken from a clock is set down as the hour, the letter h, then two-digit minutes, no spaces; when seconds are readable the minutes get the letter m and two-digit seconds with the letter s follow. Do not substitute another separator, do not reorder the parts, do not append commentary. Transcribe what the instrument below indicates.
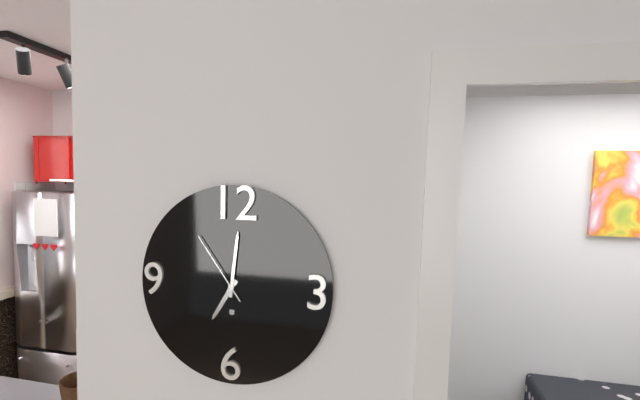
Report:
7h01m54s
